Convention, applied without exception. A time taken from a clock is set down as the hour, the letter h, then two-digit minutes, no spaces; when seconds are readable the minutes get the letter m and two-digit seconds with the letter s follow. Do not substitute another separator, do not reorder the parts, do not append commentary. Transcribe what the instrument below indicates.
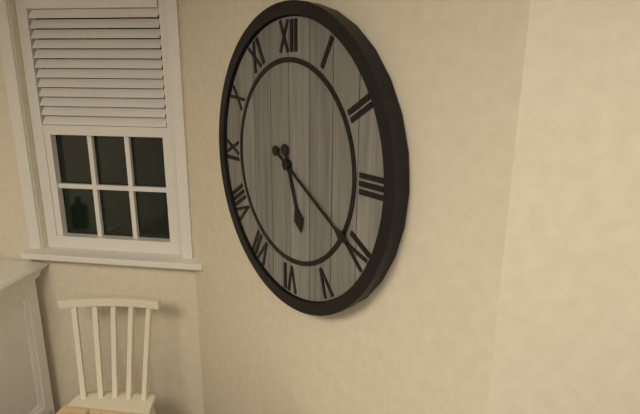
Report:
5h20
